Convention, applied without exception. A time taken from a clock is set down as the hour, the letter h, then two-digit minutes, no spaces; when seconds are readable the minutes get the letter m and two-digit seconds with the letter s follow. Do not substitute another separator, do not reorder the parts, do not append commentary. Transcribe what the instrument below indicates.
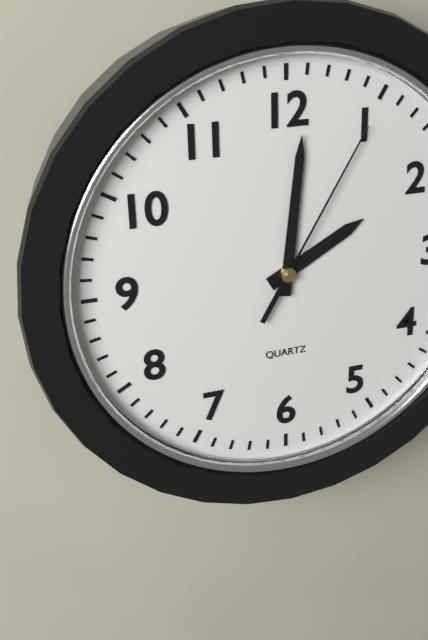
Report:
2h01m05s
